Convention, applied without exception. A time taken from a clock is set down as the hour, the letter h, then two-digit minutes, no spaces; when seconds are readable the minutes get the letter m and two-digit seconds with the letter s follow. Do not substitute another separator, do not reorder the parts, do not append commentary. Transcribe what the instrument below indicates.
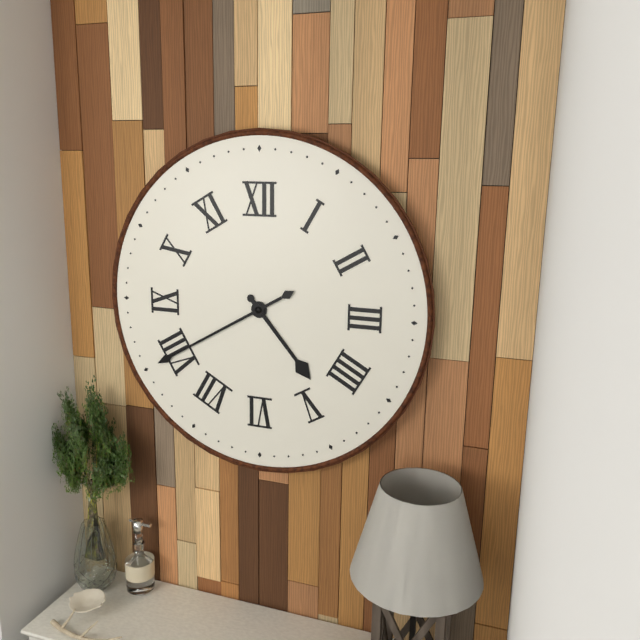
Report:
4h40
